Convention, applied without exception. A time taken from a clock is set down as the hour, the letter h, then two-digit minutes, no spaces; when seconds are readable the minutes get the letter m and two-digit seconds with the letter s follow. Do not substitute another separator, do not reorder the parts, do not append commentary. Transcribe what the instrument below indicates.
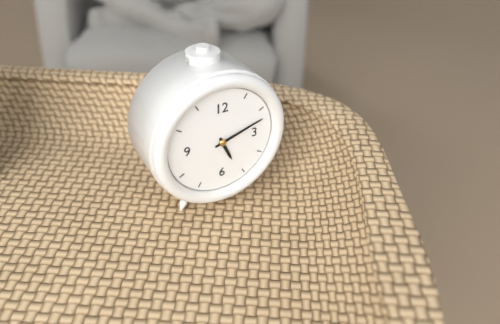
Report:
5h12
